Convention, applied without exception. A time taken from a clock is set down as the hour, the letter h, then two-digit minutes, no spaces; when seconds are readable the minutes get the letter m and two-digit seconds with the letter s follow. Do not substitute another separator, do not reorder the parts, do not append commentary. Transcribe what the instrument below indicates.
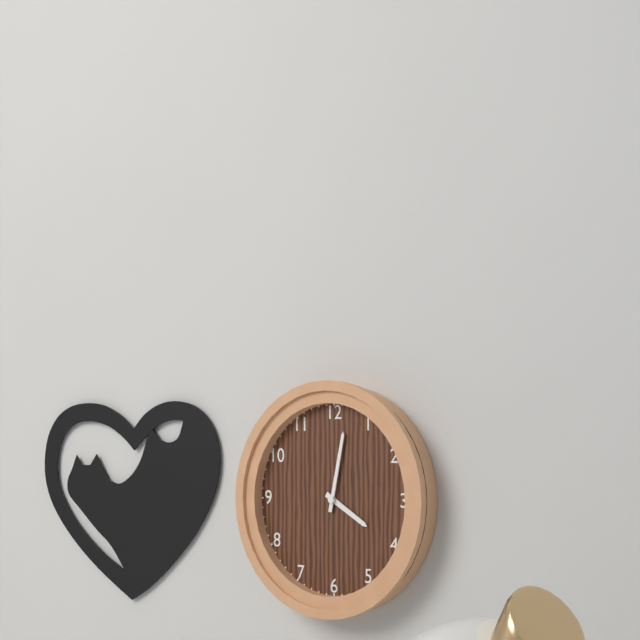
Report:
4h02
